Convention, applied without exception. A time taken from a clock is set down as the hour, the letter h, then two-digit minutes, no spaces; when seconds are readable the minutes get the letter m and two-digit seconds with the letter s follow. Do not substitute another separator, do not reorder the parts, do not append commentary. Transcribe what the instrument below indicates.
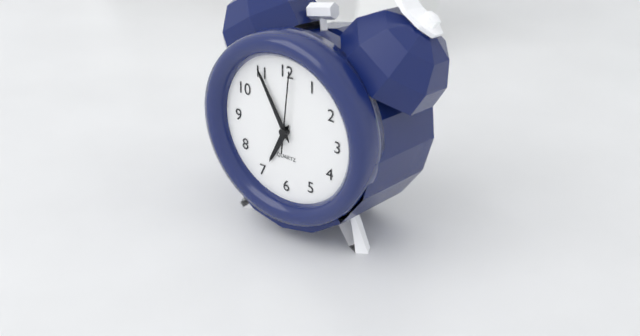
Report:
6h55m01s
